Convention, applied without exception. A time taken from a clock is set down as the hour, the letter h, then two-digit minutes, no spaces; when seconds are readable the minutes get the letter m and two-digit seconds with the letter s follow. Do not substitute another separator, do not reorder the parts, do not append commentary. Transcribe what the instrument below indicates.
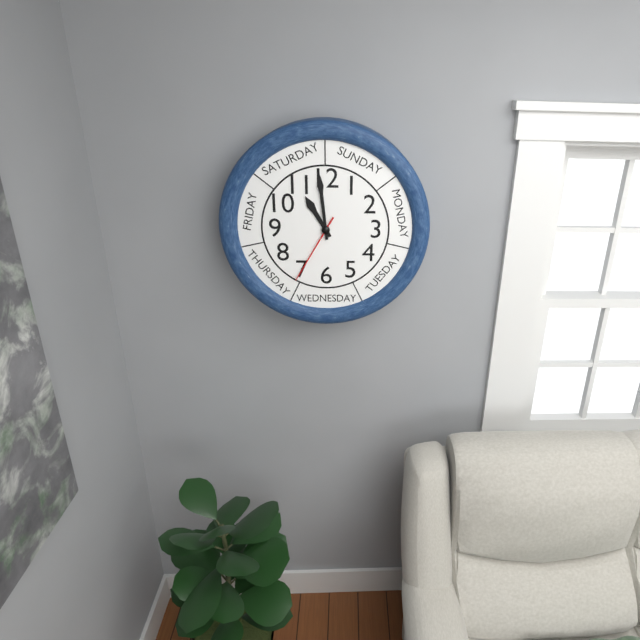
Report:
10h59m35s
